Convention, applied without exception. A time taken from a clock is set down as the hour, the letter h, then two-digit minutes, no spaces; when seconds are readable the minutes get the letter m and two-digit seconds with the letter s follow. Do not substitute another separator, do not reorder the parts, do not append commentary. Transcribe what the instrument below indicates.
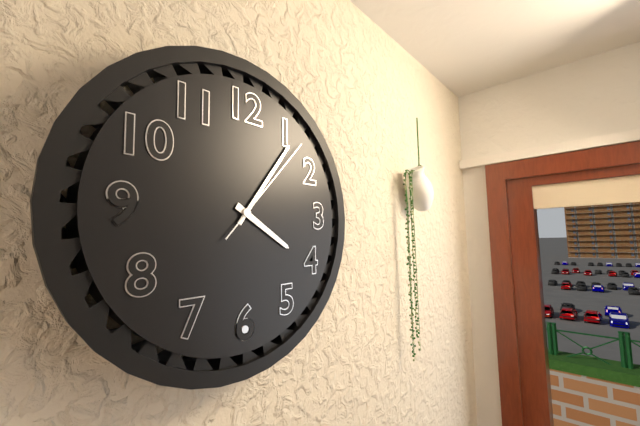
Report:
4h06m07s
